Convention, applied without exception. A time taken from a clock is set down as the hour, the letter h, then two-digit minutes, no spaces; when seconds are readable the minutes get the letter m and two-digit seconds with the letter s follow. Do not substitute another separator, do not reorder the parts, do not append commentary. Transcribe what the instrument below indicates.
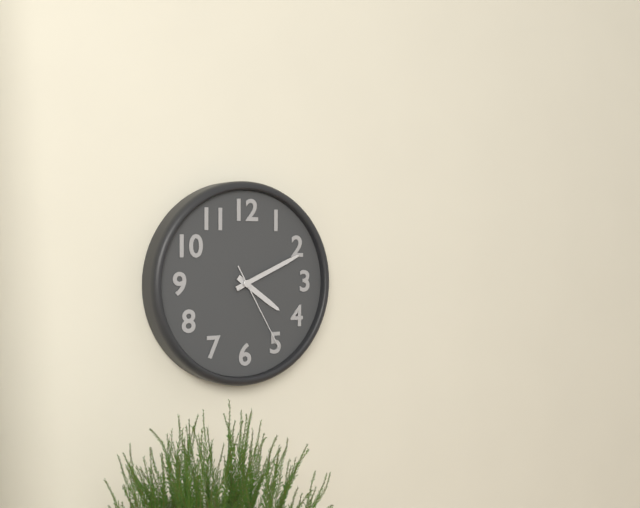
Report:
4h11m25s
